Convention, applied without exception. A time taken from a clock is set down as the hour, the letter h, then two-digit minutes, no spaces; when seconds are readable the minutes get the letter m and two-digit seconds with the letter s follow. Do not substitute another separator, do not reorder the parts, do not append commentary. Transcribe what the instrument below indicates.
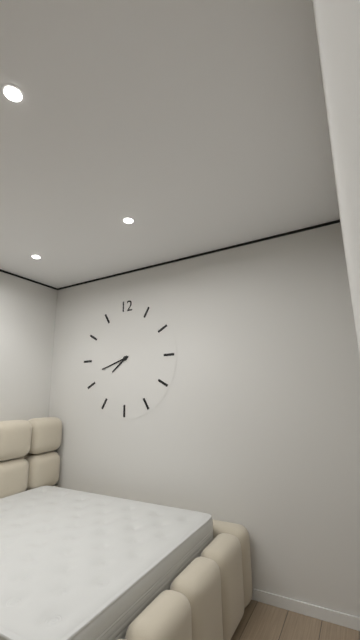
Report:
7h42
